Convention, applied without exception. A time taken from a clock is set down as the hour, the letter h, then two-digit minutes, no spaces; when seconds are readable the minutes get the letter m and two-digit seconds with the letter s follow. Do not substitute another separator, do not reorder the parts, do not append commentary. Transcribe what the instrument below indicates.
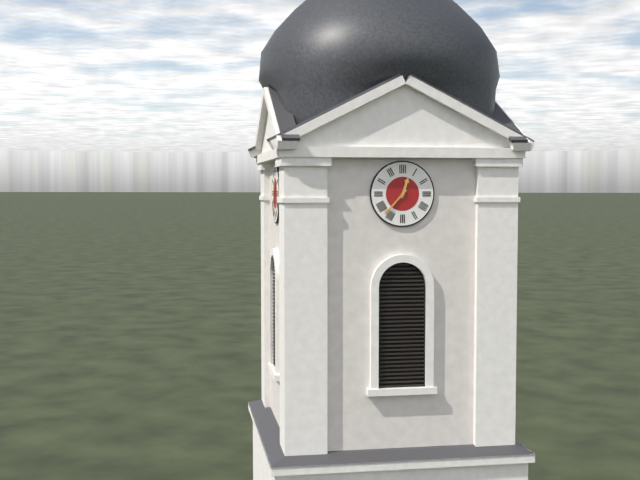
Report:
12h37
